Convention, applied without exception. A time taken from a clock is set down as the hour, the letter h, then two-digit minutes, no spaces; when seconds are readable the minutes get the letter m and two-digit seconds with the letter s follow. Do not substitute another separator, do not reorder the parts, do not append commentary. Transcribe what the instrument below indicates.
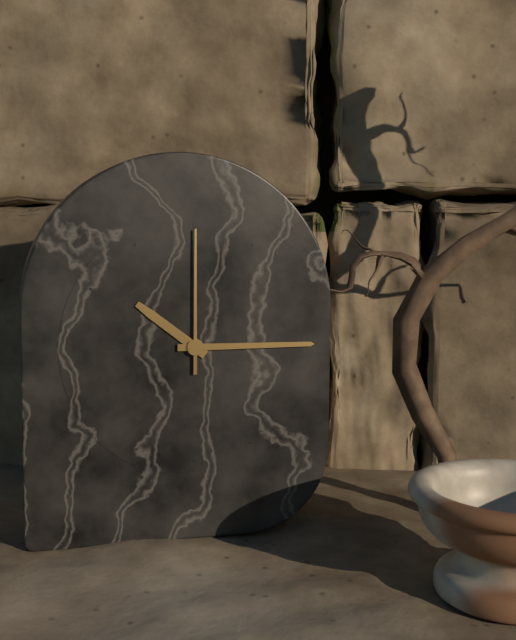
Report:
10h15m00s
